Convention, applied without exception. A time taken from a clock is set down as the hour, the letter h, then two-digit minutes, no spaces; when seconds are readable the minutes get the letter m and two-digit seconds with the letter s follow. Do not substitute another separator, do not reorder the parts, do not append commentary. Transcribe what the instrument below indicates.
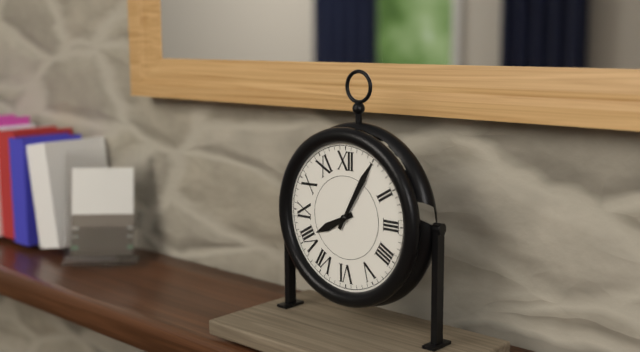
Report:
8h05
